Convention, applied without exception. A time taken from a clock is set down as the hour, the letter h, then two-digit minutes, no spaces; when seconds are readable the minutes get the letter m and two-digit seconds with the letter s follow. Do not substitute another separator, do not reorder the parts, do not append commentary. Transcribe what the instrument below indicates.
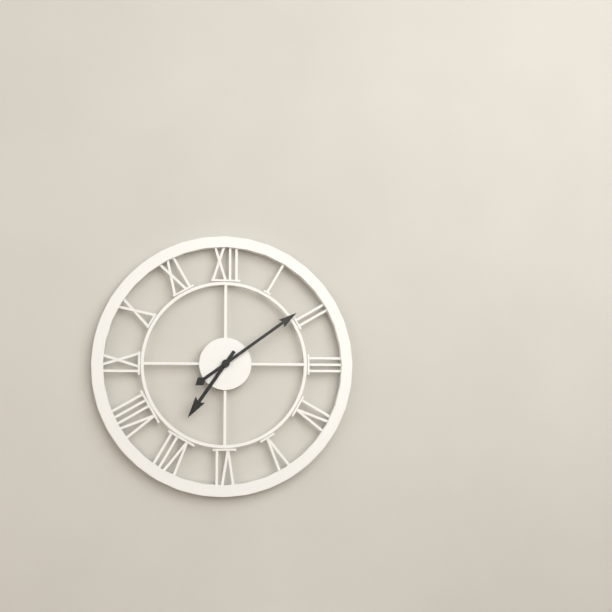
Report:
7h09
